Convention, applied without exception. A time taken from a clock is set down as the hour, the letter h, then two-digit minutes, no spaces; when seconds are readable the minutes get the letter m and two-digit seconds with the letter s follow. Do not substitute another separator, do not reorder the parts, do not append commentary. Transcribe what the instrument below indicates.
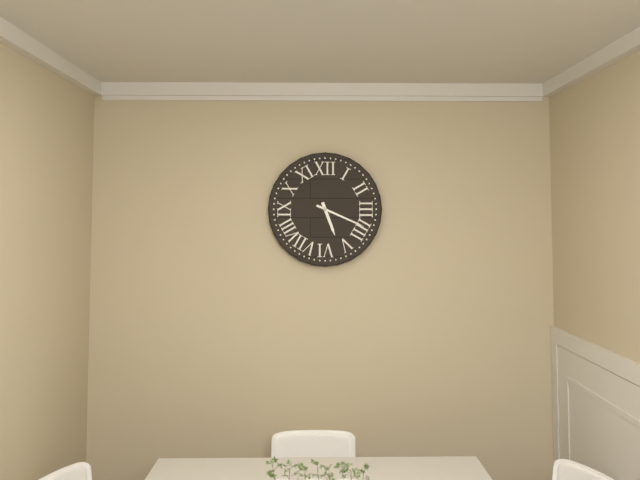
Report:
5h19
